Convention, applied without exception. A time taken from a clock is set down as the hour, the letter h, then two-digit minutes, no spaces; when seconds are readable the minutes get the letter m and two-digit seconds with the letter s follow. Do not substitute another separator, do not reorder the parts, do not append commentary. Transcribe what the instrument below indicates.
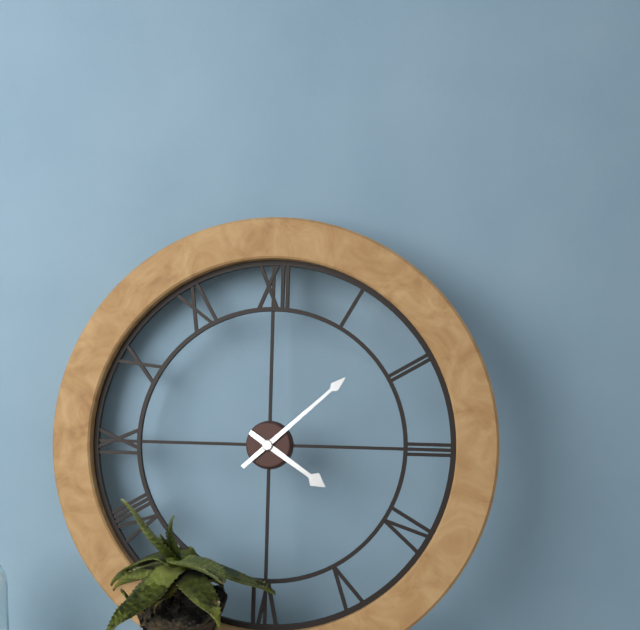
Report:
4h08
